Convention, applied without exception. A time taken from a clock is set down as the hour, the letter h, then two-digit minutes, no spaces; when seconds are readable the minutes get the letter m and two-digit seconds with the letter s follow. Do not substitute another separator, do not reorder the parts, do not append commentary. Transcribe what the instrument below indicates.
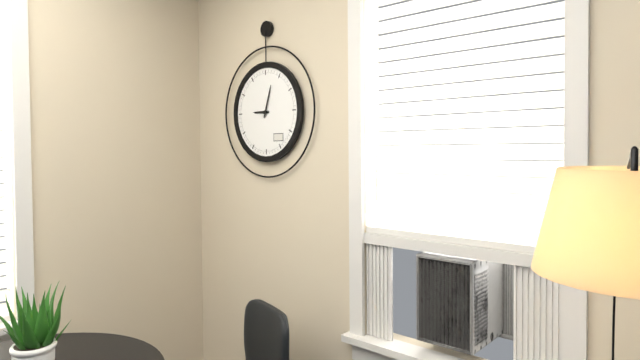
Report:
9h03
